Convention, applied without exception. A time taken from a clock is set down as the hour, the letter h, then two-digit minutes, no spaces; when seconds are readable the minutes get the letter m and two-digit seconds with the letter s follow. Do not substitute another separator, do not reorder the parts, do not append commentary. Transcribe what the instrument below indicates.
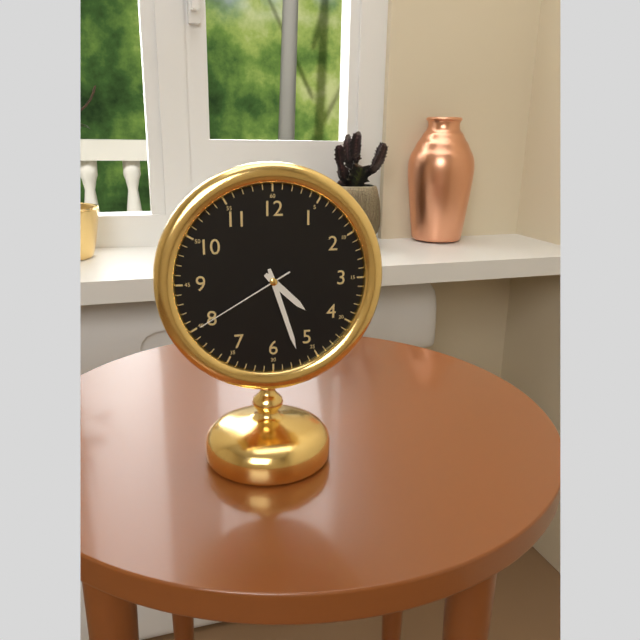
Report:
4h27m40s
